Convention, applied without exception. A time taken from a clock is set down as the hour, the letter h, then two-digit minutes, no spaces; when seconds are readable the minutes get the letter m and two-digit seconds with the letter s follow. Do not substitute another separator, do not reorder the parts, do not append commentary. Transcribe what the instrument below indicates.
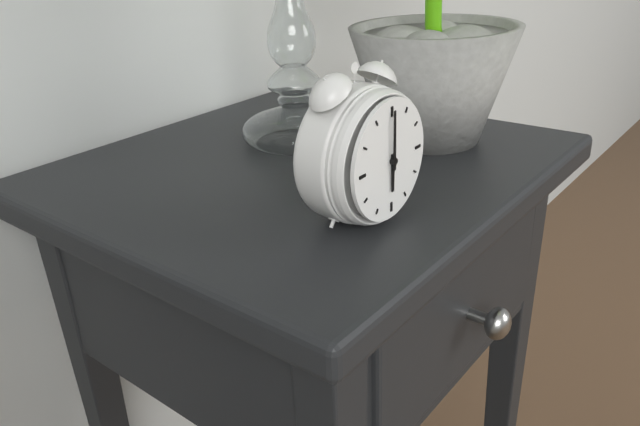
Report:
6h00
